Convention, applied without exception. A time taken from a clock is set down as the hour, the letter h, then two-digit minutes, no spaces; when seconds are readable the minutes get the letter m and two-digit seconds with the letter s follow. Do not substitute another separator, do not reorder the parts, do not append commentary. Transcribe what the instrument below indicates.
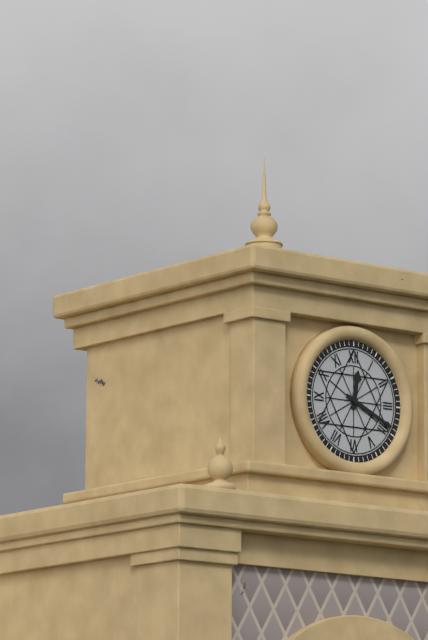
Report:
12h19
